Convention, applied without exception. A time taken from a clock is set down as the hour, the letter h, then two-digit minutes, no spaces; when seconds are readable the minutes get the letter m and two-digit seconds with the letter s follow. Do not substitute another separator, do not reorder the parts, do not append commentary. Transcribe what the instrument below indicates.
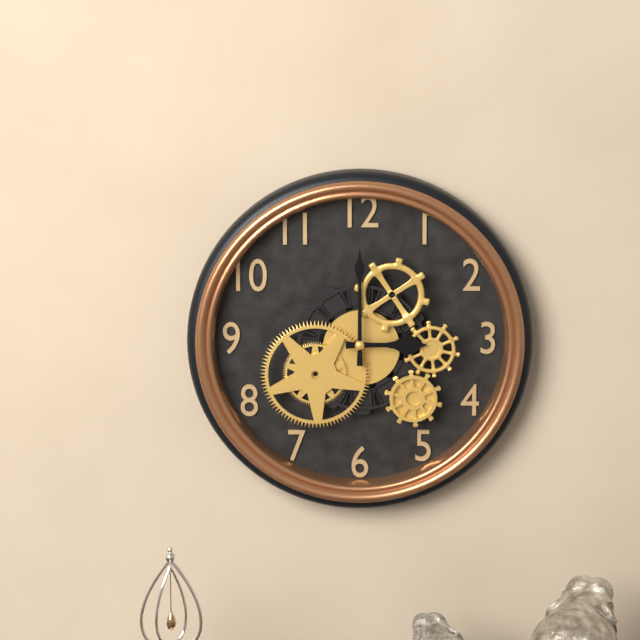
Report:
3h00
